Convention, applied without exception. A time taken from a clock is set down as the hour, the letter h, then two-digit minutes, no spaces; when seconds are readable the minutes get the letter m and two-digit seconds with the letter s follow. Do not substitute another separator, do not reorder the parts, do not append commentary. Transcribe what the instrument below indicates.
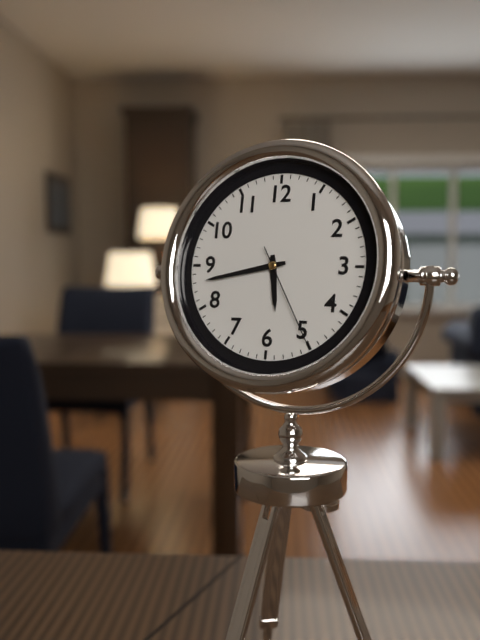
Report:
5h43m25s
